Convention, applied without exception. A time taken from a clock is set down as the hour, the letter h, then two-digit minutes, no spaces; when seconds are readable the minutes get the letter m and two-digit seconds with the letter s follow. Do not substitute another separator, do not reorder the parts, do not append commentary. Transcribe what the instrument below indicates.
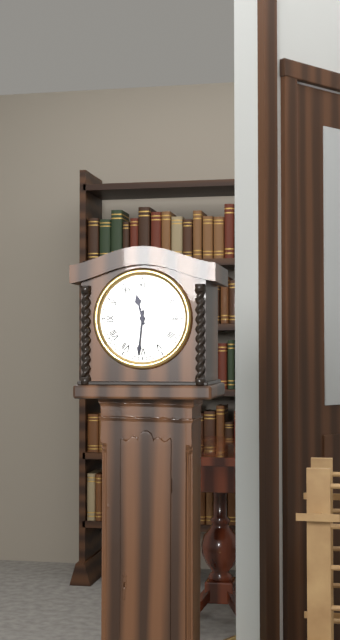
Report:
11h31
